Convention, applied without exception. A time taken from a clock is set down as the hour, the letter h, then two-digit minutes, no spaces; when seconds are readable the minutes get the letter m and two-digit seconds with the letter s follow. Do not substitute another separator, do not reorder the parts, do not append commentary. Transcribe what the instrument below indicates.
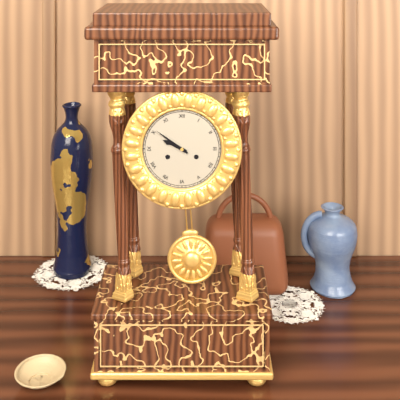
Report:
9h51
